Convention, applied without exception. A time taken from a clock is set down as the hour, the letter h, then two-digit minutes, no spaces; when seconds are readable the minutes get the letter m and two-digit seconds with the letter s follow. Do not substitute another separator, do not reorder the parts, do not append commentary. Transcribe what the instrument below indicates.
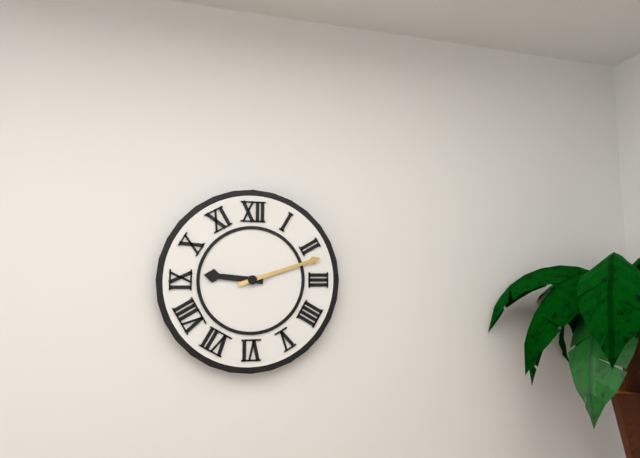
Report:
9h12
